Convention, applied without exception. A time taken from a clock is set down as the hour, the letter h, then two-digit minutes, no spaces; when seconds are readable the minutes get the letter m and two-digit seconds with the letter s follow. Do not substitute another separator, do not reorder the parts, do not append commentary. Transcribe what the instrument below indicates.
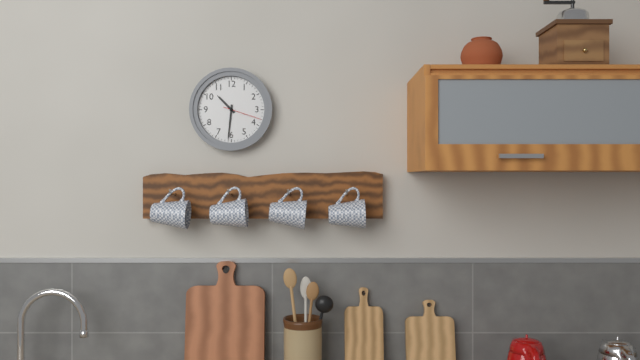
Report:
10h31
